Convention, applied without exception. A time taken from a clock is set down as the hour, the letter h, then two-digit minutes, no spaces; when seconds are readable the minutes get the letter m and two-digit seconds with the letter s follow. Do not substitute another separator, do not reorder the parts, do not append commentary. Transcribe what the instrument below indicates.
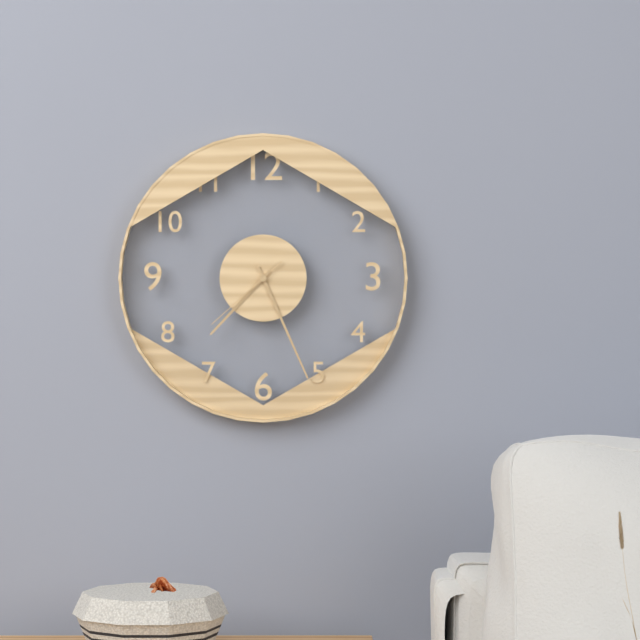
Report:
7h26m38s
